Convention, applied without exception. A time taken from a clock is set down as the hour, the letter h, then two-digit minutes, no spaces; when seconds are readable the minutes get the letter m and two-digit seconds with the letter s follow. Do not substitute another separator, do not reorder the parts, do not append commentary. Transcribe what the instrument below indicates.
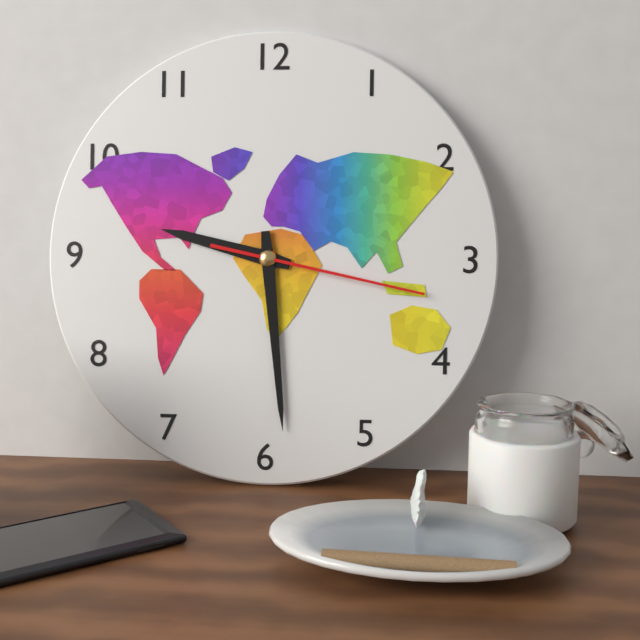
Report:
9h29m17s
